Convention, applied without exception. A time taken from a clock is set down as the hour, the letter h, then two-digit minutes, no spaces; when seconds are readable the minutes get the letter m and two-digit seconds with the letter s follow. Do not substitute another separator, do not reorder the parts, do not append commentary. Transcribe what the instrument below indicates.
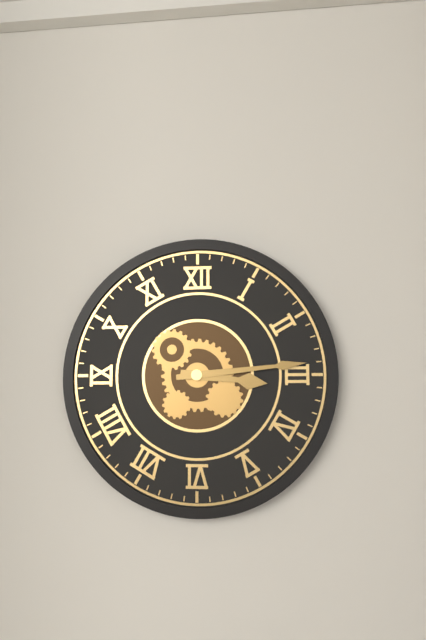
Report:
3h14
